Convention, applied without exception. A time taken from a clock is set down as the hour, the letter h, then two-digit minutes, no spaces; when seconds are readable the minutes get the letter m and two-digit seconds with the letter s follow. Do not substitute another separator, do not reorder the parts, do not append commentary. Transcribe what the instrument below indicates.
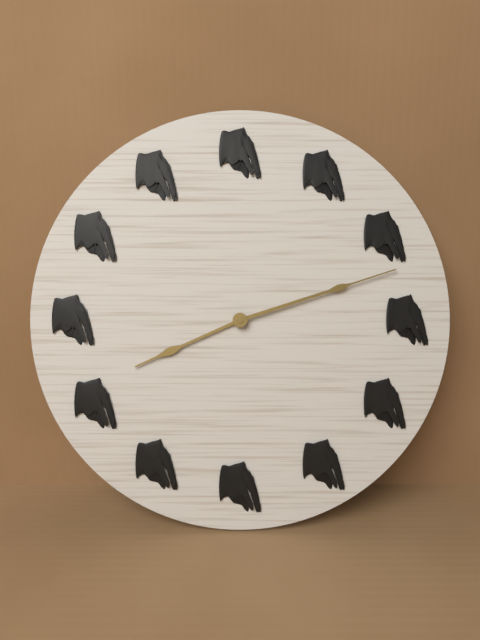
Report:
8h12
